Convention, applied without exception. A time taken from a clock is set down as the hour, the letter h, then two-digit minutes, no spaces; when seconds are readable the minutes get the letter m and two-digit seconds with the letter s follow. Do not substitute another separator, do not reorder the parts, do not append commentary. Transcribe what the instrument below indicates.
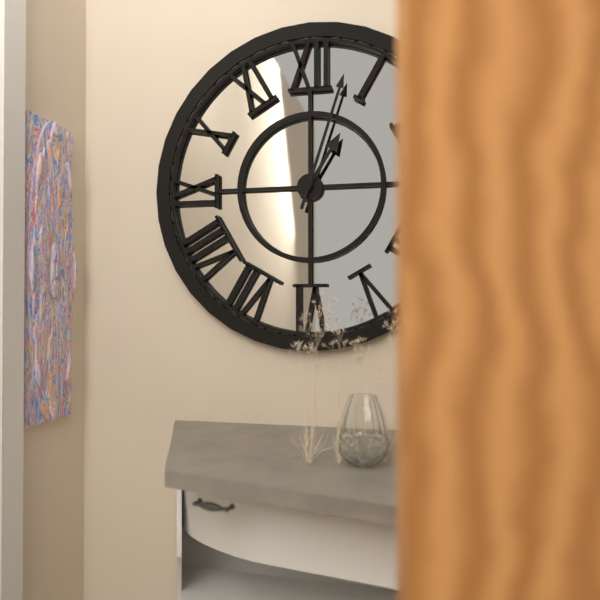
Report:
1h03
